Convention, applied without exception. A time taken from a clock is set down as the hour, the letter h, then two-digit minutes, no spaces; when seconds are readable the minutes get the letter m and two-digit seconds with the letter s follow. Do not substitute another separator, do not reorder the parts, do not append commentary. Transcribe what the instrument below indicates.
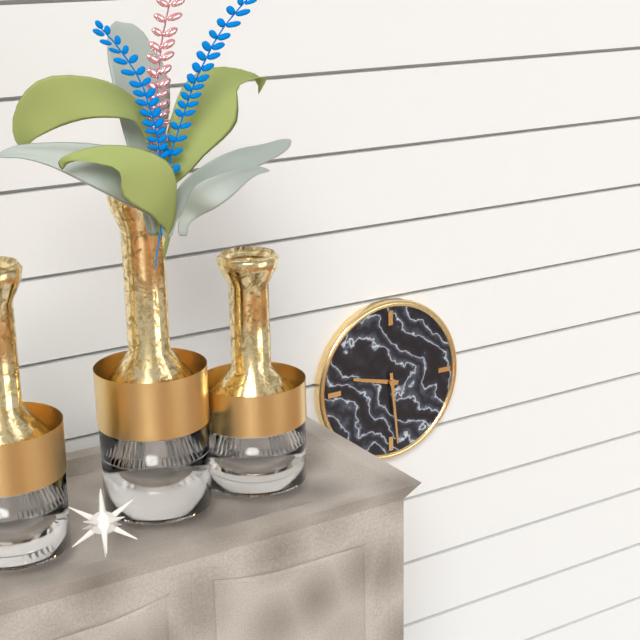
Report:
9h29
